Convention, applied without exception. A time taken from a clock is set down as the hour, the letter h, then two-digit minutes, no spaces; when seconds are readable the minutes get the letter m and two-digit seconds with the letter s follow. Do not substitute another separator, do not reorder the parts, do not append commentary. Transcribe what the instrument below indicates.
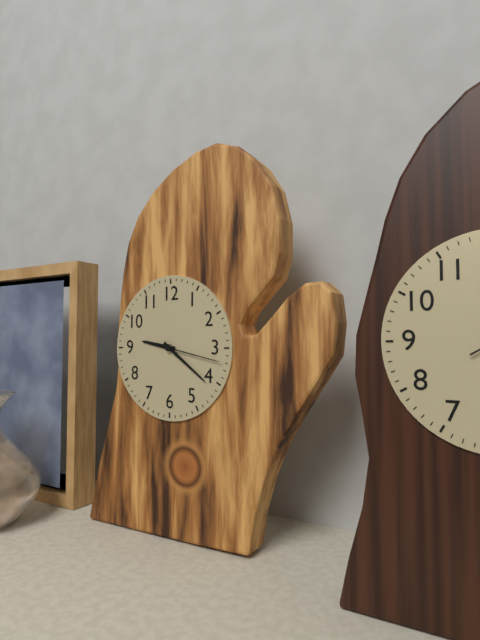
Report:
9h21m17s
